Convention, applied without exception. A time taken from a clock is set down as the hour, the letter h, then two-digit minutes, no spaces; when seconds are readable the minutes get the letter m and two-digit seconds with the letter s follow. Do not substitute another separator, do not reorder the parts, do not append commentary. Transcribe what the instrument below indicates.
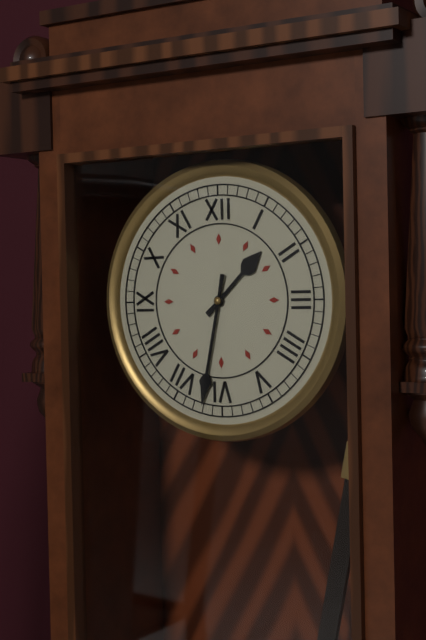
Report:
1h32
